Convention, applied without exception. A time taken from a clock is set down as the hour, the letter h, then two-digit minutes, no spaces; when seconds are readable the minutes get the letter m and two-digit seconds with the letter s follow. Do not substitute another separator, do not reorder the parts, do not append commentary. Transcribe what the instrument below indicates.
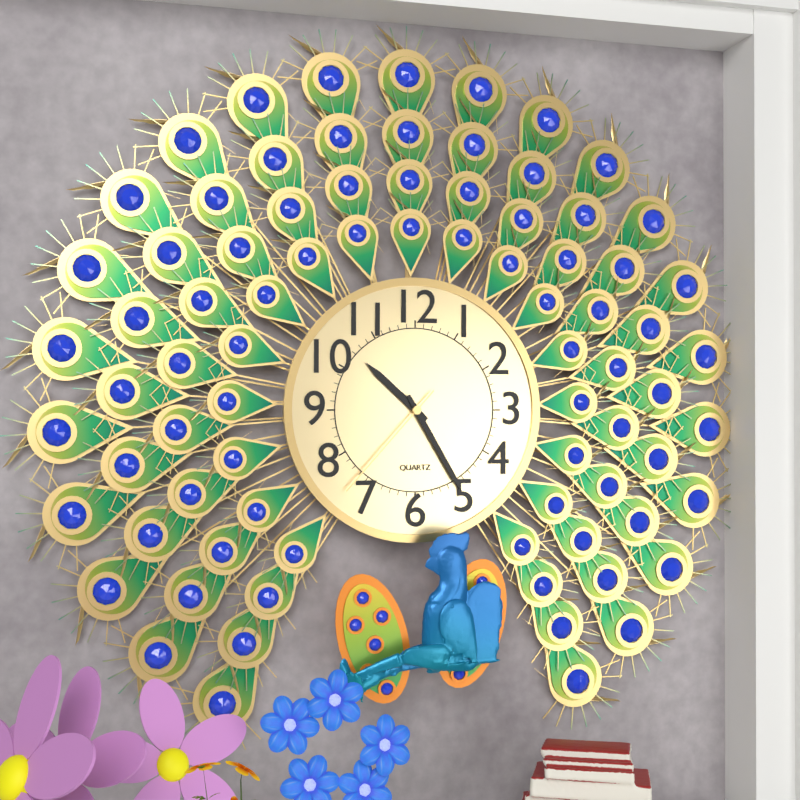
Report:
10h25m37s
